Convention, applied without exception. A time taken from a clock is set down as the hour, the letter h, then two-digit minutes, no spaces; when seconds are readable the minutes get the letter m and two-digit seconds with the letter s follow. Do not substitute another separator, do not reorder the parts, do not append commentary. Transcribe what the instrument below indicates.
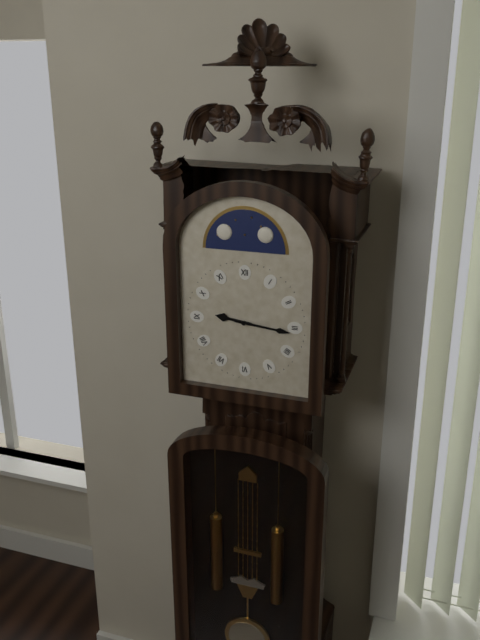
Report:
9h16
